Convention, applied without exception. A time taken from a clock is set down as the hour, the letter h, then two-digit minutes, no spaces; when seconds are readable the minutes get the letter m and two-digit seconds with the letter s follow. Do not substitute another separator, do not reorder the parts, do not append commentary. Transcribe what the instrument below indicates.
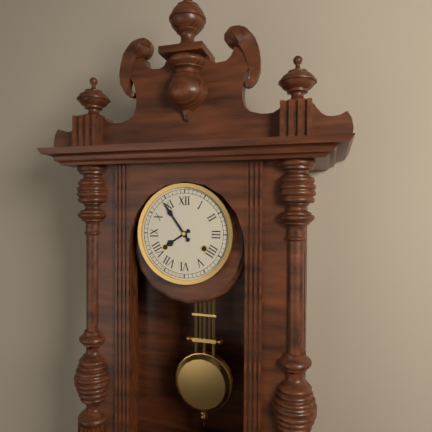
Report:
7h54
